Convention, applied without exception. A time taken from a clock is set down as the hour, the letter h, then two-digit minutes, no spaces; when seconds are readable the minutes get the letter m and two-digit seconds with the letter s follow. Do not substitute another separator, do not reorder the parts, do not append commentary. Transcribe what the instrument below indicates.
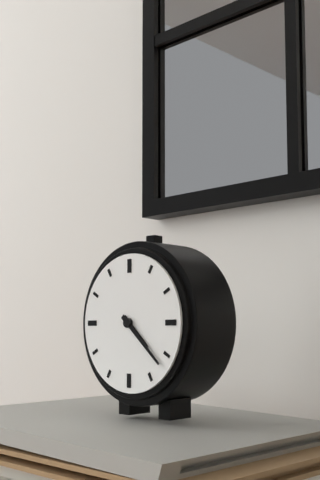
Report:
4h22
